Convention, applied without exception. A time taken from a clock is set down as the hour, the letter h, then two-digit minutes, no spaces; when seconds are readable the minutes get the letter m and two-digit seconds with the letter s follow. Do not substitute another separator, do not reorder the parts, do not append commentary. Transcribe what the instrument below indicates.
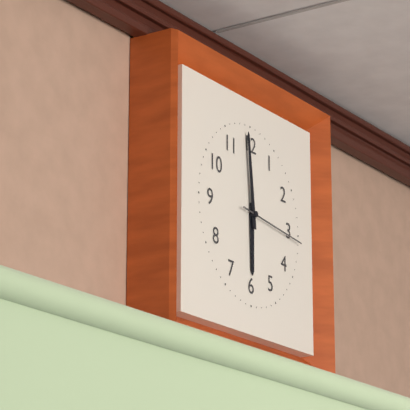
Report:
5h59m16s
